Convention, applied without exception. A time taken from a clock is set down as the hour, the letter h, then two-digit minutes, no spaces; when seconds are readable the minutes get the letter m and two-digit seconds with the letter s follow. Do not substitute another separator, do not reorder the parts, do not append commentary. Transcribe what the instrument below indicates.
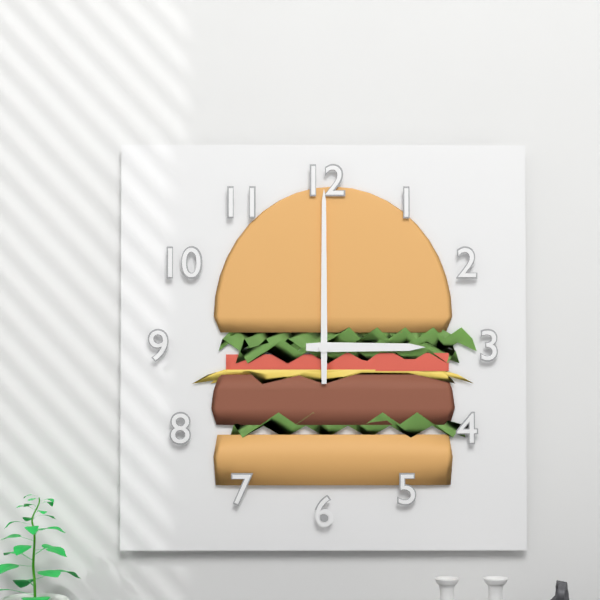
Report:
3h00
